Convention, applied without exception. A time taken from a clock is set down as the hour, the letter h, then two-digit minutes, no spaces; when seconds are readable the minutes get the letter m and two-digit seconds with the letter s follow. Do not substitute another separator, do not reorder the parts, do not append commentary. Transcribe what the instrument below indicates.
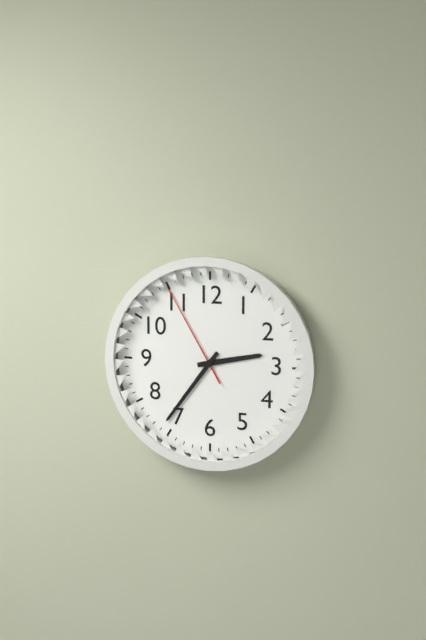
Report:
2h36m55s
